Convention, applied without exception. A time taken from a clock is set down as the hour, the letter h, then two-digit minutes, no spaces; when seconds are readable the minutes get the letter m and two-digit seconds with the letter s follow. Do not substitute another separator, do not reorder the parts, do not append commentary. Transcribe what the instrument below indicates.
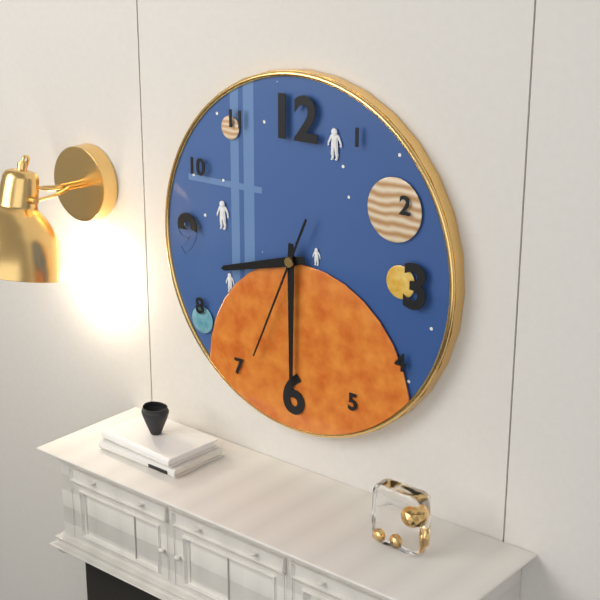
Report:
8h30m34s
